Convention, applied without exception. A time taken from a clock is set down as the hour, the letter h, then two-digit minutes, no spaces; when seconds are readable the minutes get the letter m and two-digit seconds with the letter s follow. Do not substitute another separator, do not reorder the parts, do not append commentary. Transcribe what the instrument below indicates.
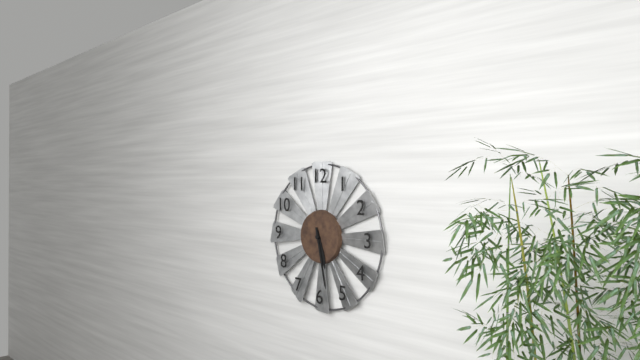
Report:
5h28
